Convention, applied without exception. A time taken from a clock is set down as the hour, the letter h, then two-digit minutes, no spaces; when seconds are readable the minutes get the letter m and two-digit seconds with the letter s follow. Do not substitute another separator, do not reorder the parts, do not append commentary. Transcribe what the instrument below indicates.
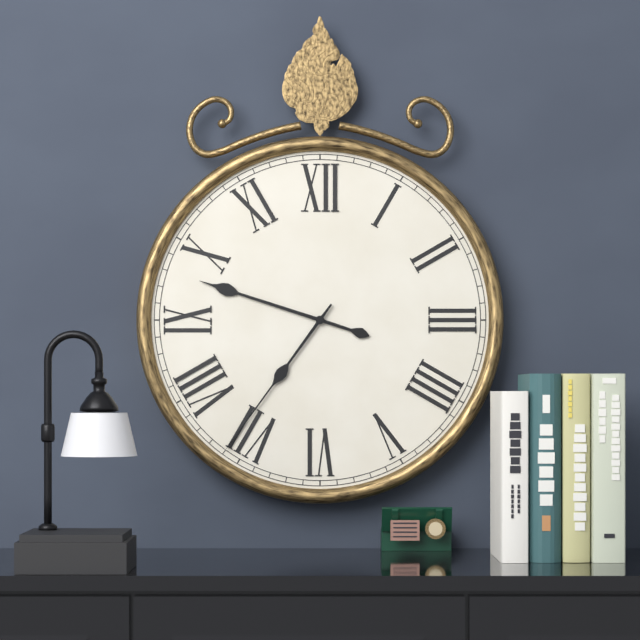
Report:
9h36
